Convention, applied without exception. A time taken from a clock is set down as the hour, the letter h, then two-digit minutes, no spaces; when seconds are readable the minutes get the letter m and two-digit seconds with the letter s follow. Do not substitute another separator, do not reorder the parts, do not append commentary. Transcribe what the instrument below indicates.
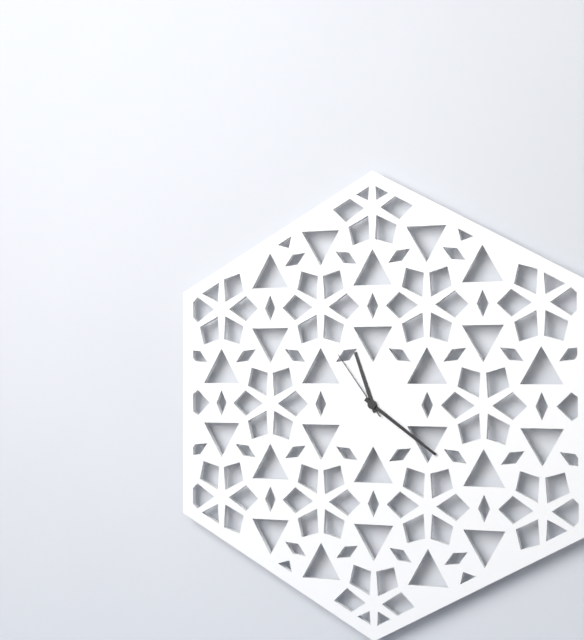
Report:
11h21m54s
